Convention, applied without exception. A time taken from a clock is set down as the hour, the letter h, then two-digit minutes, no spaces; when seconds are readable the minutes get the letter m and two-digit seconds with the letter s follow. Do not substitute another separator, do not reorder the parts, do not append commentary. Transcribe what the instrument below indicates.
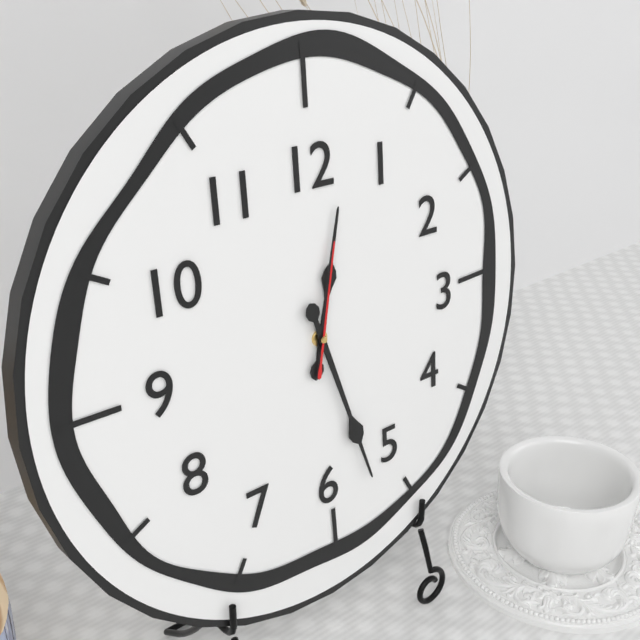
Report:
12h27m02s
